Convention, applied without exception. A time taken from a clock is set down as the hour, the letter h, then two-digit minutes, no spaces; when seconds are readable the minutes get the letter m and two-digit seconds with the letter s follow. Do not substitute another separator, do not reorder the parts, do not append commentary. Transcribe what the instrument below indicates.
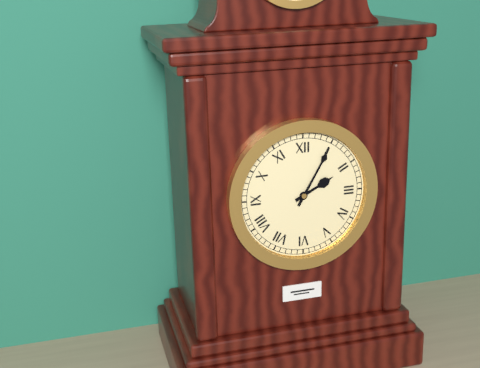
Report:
2h05
